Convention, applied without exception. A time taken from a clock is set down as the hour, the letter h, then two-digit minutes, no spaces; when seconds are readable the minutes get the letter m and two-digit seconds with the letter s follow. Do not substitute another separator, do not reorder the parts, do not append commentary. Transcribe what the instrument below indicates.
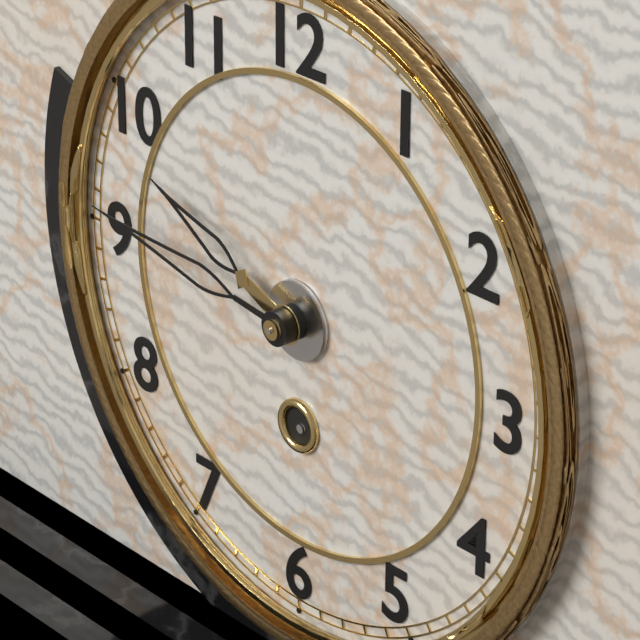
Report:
9h46
